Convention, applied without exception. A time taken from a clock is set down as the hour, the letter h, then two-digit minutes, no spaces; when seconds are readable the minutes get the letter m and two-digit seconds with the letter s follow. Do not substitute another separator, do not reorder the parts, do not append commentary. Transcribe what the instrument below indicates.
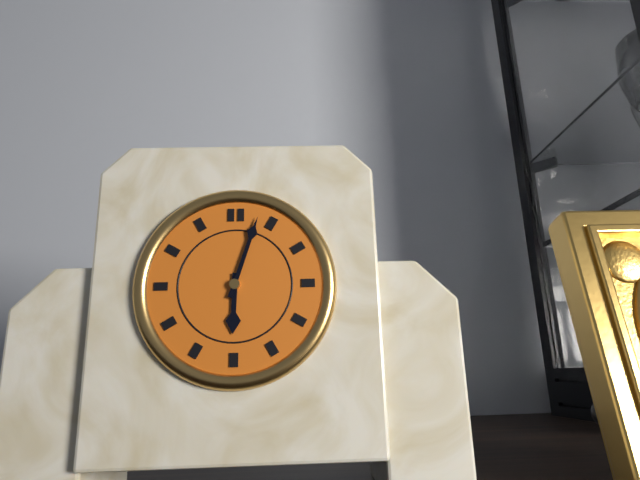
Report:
6h03
